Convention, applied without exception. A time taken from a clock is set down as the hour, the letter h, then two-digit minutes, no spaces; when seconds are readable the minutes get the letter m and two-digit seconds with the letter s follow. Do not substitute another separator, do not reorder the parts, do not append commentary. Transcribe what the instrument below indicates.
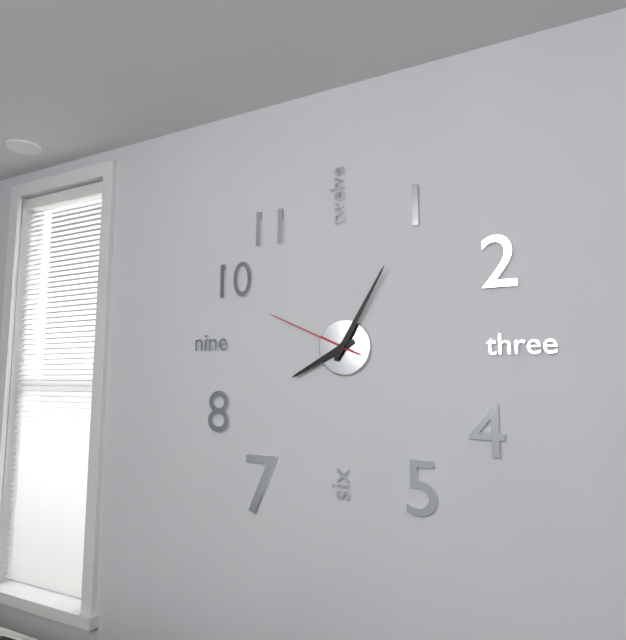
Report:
8h05m49s
